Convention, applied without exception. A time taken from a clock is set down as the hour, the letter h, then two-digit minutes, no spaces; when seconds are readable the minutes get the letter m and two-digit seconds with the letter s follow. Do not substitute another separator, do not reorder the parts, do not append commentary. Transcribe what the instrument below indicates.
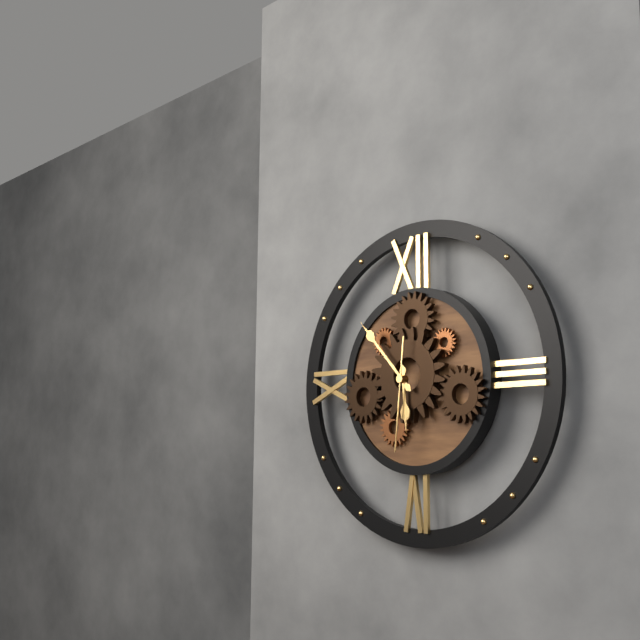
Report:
5h53m31s
